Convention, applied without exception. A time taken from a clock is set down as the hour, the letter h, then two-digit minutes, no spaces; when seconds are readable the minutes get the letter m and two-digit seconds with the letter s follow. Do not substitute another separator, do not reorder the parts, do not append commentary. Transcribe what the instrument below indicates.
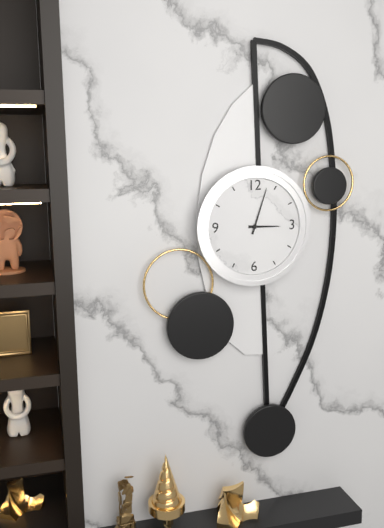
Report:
3h03
